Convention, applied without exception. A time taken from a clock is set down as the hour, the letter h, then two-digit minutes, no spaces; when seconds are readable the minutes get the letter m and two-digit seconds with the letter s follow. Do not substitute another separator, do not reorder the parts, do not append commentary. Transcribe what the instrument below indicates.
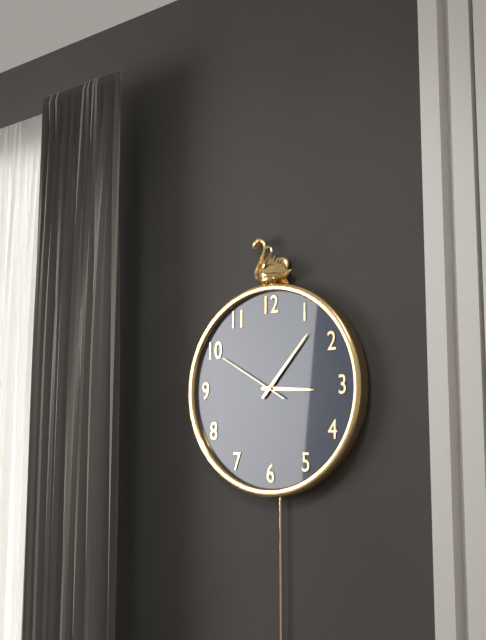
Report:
3h07m50s
